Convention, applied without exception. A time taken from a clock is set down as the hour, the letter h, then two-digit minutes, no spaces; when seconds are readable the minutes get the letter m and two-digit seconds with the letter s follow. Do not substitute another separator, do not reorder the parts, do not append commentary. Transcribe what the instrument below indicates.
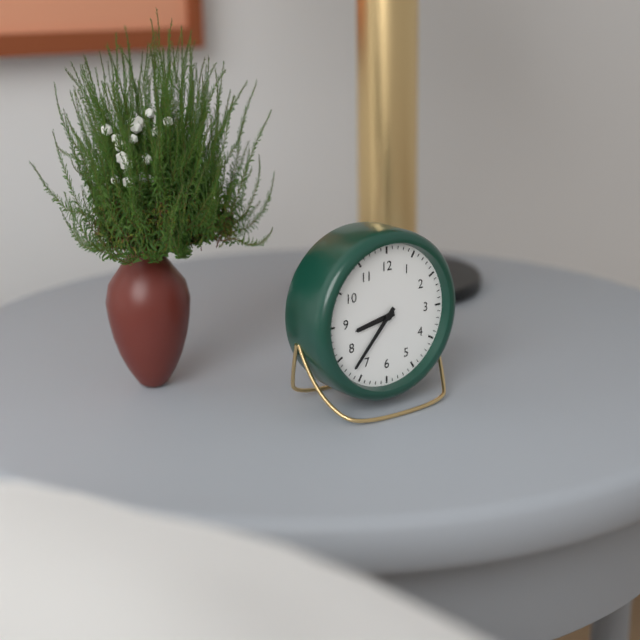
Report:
8h37
